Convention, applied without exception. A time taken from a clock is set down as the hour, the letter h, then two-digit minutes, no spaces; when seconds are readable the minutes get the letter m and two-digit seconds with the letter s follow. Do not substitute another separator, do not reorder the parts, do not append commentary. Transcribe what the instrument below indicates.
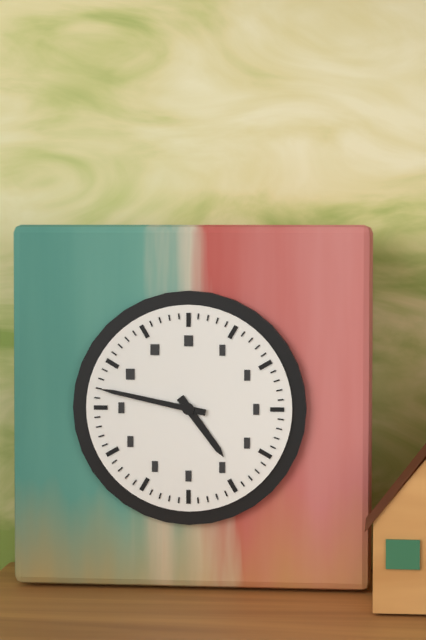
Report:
4h47
